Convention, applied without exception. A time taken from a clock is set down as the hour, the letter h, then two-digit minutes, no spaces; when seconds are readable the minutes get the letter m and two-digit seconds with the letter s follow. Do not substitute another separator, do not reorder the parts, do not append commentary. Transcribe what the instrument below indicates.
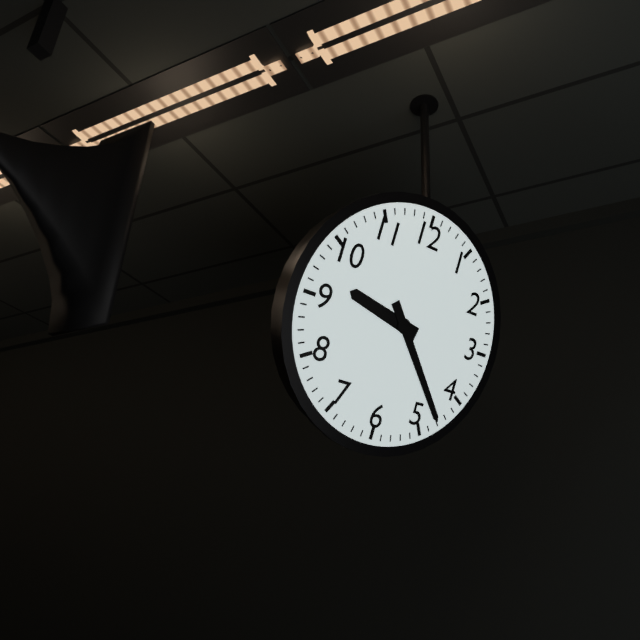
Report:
9h23
